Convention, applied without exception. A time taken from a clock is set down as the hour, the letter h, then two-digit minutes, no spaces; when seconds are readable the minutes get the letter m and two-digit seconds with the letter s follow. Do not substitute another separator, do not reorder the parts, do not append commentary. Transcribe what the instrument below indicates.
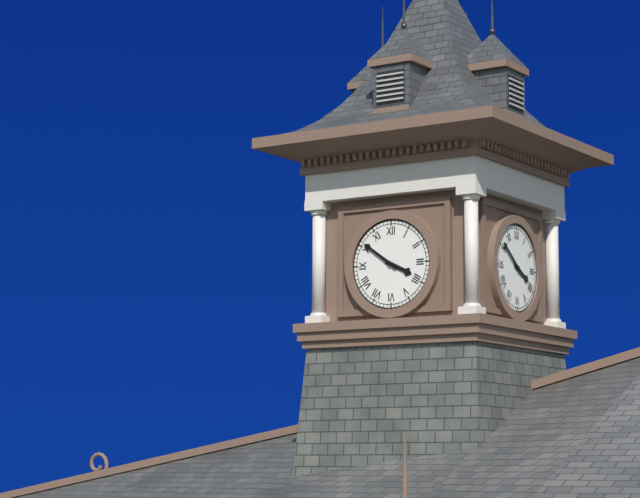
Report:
3h51
